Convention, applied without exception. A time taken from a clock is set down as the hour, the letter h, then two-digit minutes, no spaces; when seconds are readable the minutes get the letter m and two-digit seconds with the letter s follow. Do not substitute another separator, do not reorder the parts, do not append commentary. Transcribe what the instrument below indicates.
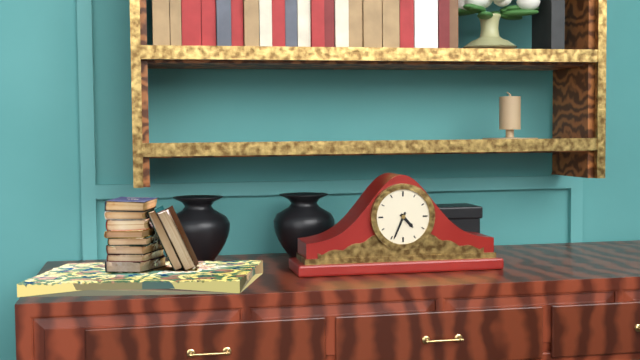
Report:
4h34
